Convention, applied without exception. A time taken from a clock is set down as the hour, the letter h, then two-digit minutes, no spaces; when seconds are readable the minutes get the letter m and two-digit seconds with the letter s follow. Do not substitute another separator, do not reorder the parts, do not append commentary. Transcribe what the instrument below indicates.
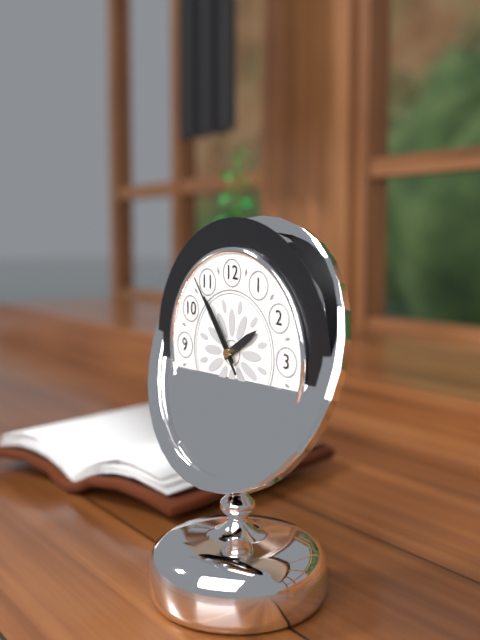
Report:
1h54m54s
